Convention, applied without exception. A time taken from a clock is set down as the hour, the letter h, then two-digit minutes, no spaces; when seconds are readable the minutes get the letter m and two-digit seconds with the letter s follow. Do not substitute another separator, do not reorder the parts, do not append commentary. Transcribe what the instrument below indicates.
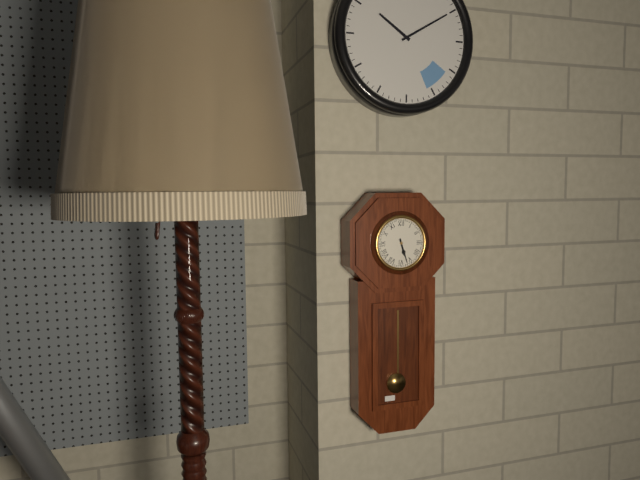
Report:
5h27
